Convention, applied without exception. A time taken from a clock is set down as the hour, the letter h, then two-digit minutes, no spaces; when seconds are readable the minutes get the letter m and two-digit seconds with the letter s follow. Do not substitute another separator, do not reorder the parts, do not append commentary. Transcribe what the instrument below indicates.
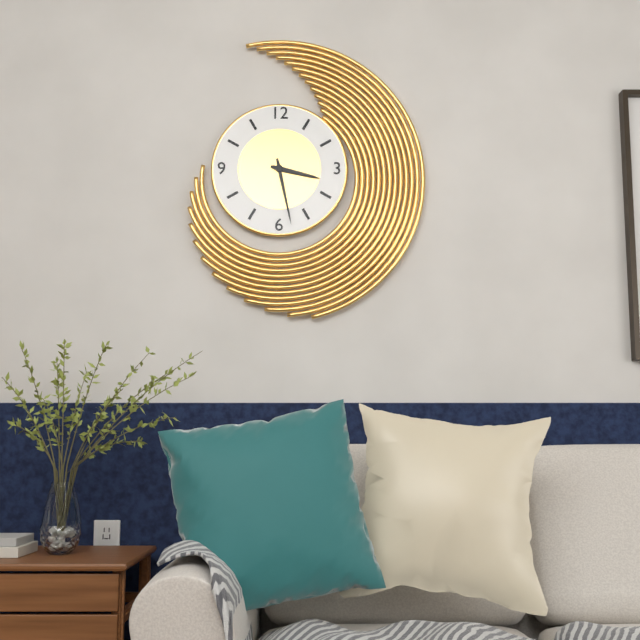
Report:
3h28
